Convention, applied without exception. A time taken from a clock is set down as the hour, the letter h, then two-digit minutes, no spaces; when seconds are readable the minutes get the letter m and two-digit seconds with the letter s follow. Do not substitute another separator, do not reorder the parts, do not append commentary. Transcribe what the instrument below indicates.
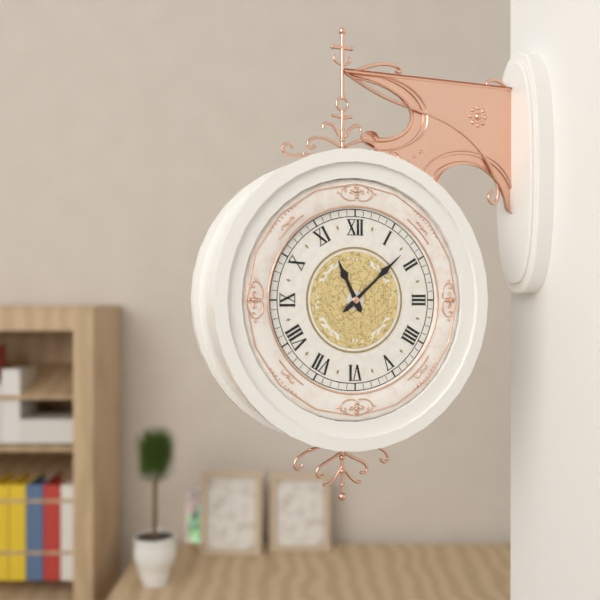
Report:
11h08
